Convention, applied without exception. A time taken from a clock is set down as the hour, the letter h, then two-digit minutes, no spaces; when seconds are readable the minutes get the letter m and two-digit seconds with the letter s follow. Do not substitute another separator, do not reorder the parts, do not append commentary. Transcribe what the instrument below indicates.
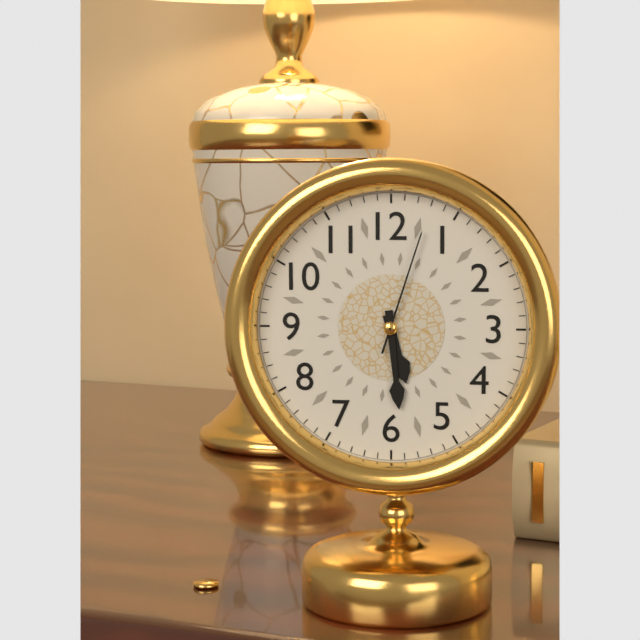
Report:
5h29m03s
